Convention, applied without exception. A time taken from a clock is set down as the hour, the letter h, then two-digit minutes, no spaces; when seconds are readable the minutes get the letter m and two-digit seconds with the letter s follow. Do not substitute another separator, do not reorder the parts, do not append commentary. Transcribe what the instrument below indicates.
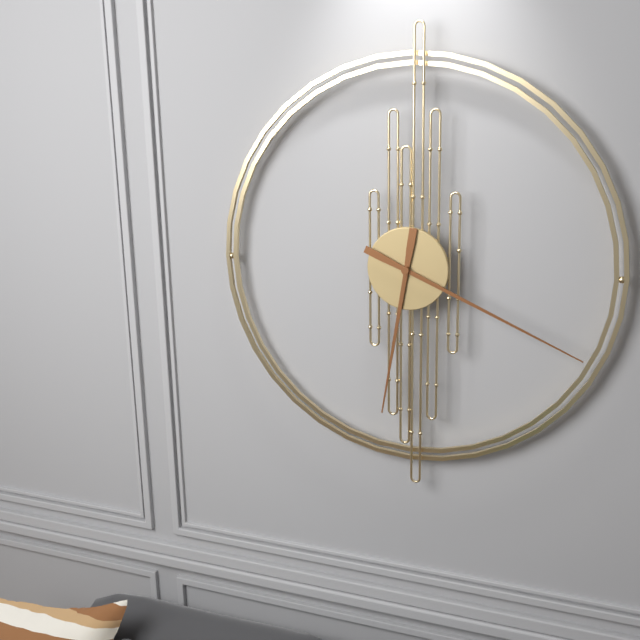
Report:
6h19
